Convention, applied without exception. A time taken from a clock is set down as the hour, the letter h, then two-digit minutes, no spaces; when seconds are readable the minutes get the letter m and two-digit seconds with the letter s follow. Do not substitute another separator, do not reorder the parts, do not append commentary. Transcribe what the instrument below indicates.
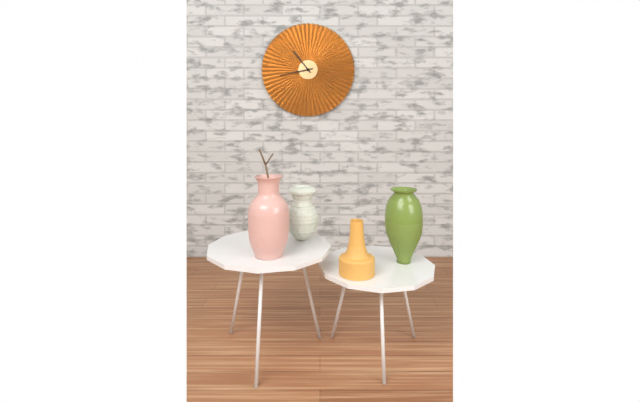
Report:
10h43
